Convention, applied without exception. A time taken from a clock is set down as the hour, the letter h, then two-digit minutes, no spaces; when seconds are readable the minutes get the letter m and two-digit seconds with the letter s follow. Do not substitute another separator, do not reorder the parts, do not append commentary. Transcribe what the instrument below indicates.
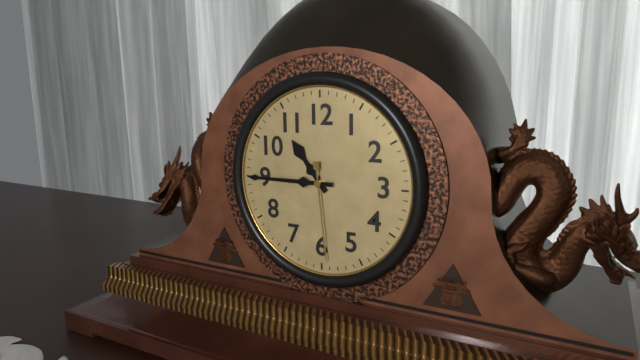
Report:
10h45m29s
